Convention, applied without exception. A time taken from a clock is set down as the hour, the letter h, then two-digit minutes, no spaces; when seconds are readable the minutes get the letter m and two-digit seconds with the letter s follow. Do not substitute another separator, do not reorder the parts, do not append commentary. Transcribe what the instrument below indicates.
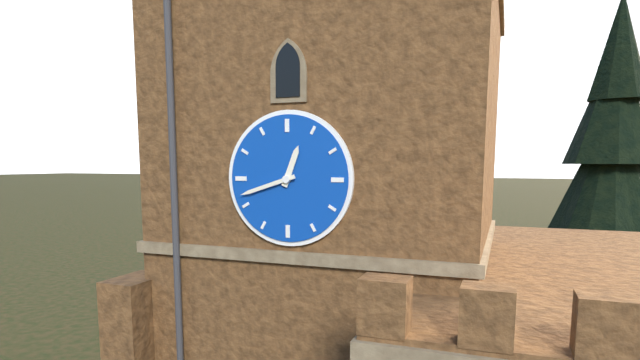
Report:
12h42
